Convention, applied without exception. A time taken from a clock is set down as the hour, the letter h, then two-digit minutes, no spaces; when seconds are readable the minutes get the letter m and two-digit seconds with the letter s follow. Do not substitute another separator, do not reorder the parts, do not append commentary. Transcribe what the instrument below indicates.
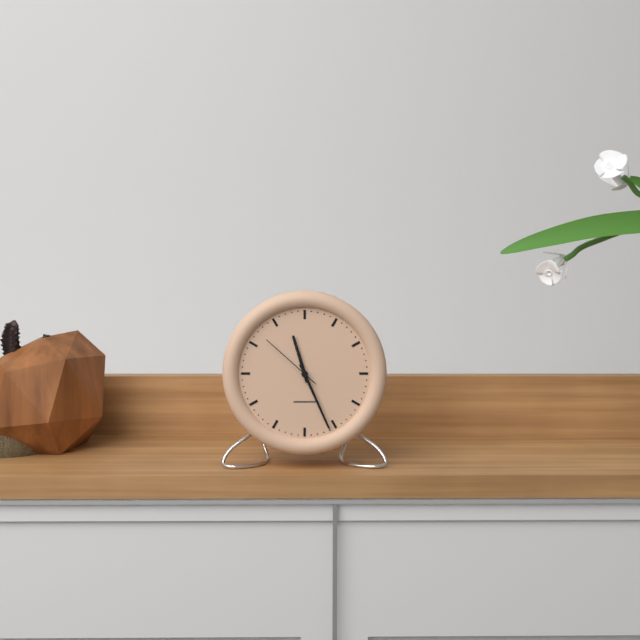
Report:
11h26m52s
